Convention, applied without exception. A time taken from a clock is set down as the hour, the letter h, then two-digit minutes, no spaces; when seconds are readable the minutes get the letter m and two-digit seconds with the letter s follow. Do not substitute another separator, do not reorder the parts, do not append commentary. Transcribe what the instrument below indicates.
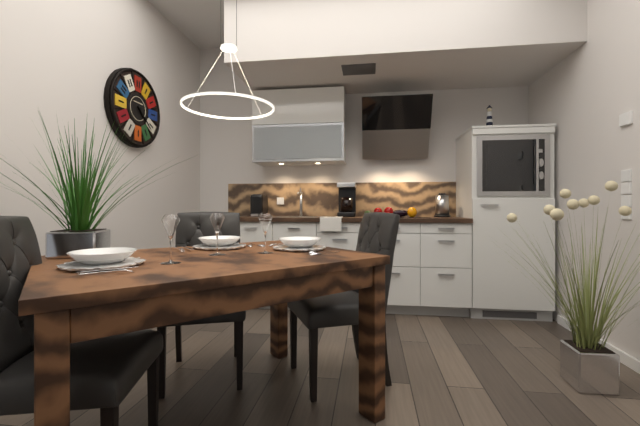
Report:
4h22
